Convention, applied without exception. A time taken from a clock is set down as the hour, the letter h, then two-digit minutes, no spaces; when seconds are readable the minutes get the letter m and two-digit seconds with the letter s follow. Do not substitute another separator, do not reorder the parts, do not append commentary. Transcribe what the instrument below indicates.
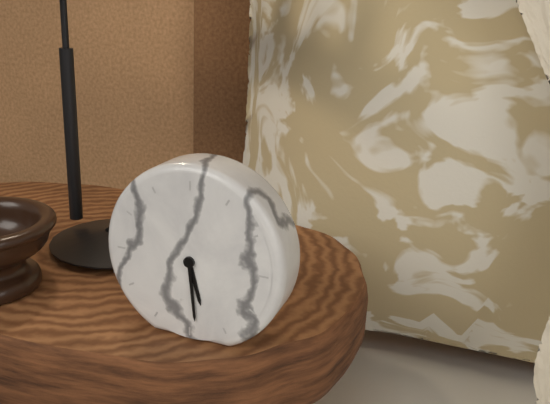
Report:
5h29
